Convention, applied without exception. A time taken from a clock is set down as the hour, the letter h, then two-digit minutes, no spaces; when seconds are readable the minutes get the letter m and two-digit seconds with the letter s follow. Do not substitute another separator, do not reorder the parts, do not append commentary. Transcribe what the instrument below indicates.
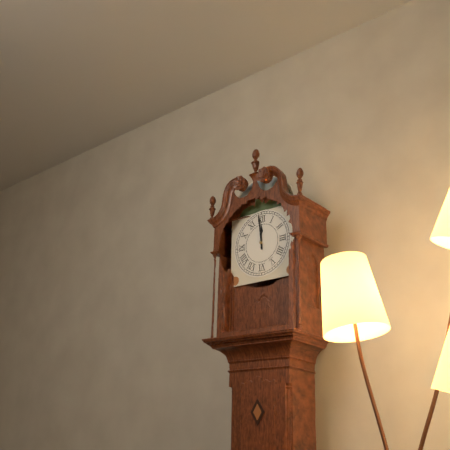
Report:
11h59
